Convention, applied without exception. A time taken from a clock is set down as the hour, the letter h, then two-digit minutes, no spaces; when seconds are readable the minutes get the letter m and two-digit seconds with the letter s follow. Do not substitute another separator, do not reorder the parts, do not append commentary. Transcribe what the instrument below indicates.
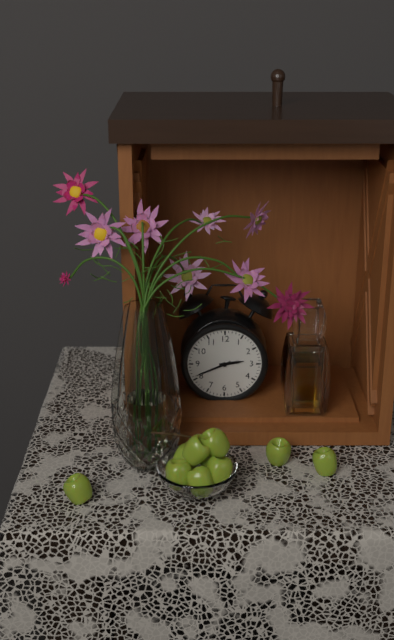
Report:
2h41
